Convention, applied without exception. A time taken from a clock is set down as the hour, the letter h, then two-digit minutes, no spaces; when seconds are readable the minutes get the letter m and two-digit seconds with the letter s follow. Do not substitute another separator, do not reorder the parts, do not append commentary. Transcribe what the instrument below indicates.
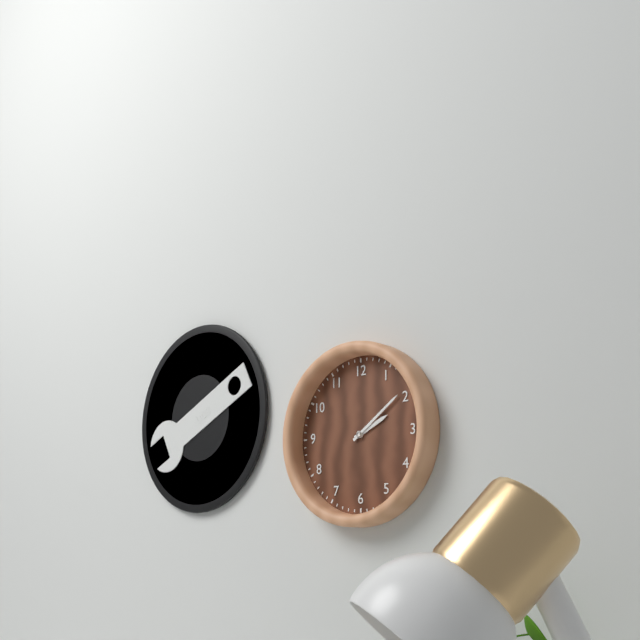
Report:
2h09
